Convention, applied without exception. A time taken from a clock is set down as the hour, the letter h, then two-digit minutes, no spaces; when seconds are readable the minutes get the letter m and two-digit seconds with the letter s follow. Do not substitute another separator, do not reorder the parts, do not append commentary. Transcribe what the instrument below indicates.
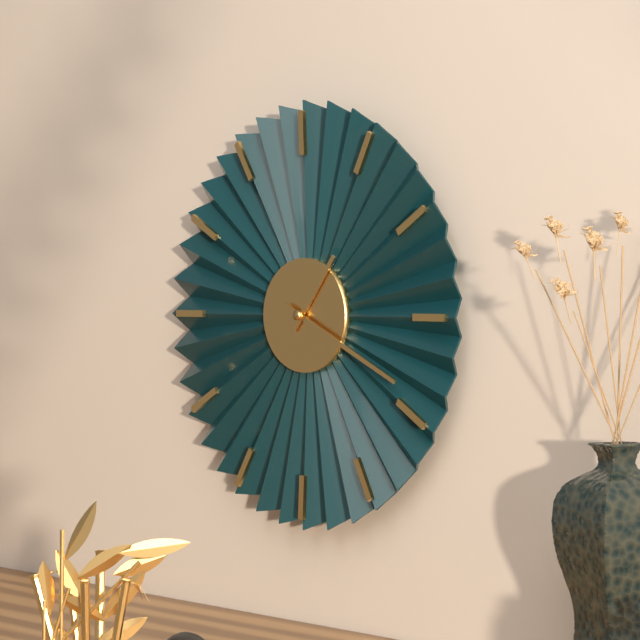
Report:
1h19
